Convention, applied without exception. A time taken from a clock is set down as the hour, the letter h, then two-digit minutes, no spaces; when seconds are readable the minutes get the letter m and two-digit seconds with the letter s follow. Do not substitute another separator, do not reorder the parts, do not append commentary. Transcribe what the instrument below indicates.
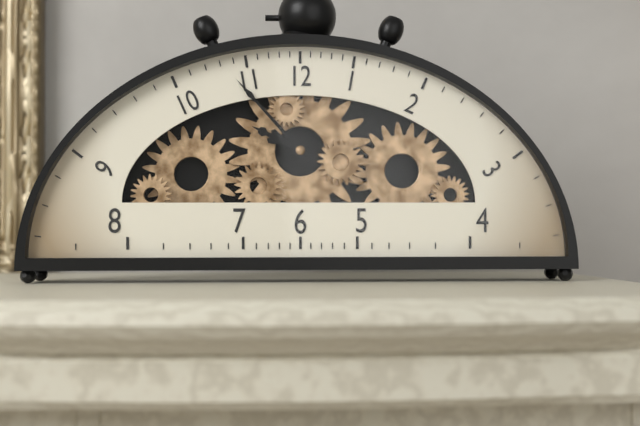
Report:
9h53
